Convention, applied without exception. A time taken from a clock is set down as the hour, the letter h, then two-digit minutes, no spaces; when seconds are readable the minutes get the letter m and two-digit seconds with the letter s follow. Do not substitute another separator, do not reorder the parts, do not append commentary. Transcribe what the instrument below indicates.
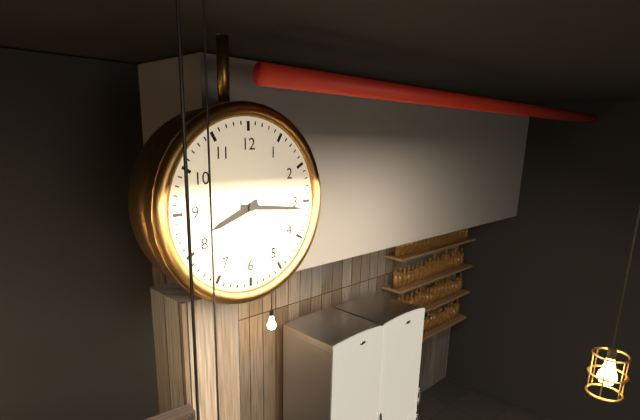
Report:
8h16
